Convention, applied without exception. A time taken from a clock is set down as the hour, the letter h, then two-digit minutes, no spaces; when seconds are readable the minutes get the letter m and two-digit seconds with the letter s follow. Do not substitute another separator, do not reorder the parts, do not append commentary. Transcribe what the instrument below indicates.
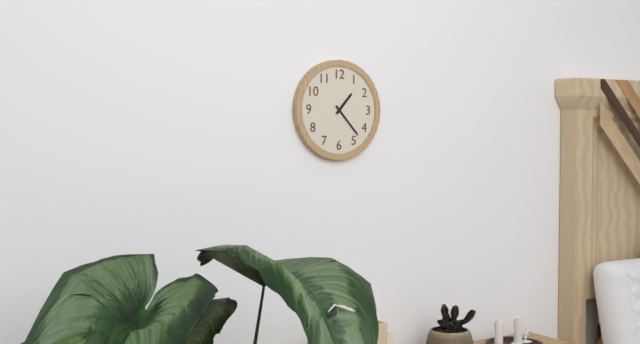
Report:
1h23
